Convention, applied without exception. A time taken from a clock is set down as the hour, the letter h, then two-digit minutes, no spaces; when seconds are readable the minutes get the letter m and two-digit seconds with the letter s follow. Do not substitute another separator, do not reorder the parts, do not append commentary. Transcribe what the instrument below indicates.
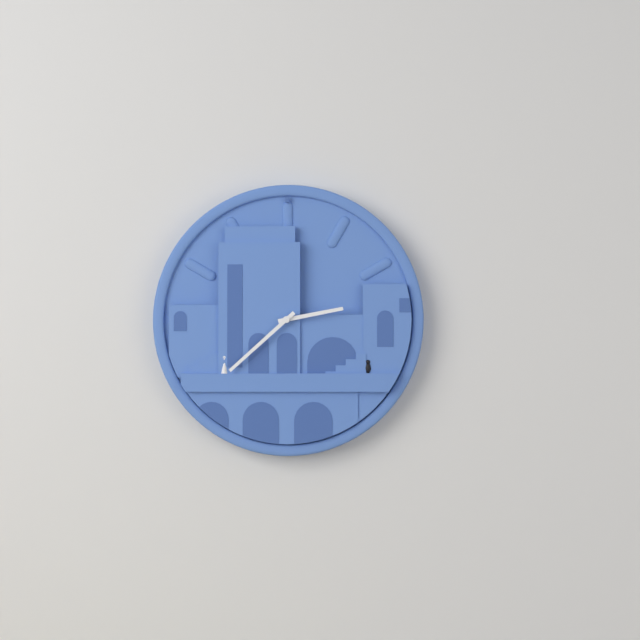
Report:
2h38
